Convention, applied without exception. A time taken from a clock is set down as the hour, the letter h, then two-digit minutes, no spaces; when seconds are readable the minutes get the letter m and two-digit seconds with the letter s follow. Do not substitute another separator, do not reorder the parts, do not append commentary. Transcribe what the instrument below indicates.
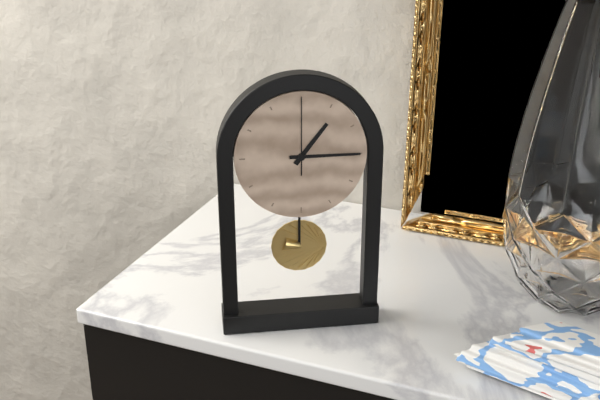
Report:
1h15m00s
